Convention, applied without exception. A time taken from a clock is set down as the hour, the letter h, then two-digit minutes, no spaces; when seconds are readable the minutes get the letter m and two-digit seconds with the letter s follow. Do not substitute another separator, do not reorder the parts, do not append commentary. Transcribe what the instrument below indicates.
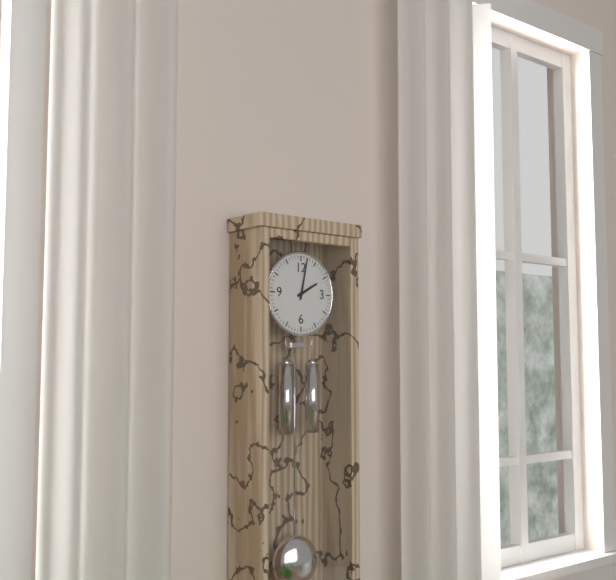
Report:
2h02
